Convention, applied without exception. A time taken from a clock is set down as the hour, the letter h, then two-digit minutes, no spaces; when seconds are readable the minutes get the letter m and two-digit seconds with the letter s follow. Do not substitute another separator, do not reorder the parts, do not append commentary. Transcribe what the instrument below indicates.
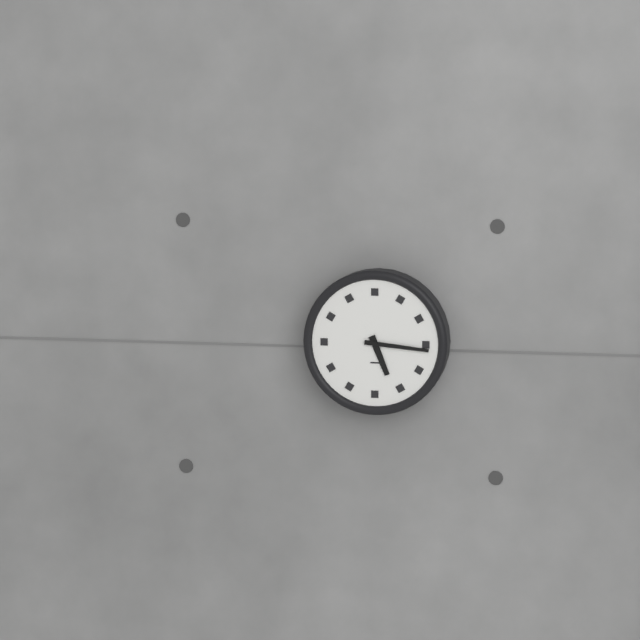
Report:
5h16
